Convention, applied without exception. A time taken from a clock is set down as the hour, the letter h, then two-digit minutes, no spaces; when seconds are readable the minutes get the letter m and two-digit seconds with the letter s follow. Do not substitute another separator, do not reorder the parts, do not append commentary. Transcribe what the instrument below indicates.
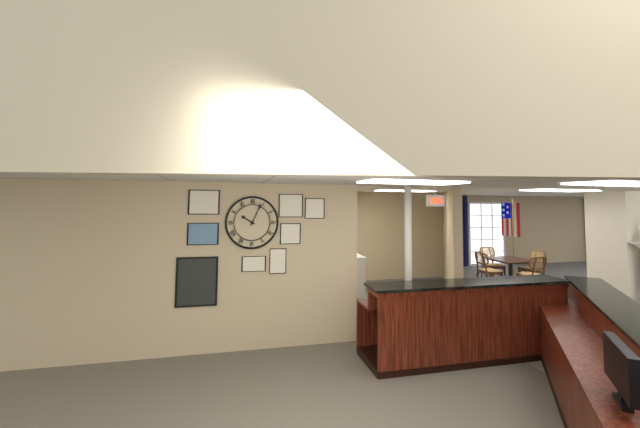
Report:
10h04
